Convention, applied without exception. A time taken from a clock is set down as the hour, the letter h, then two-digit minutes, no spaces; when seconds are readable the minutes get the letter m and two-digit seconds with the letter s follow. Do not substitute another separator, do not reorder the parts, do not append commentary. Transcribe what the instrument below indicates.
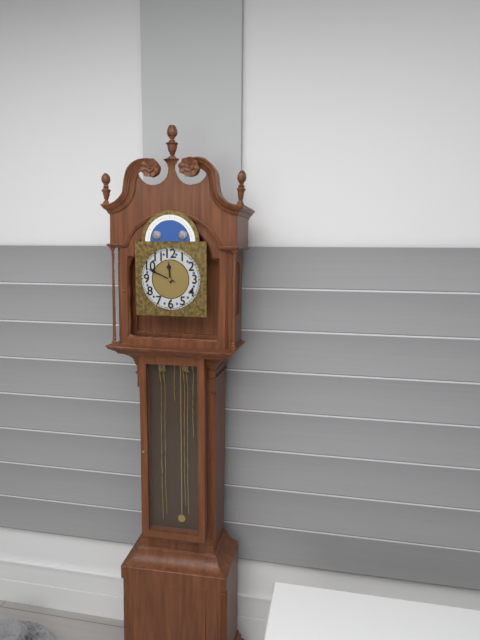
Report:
11h49
